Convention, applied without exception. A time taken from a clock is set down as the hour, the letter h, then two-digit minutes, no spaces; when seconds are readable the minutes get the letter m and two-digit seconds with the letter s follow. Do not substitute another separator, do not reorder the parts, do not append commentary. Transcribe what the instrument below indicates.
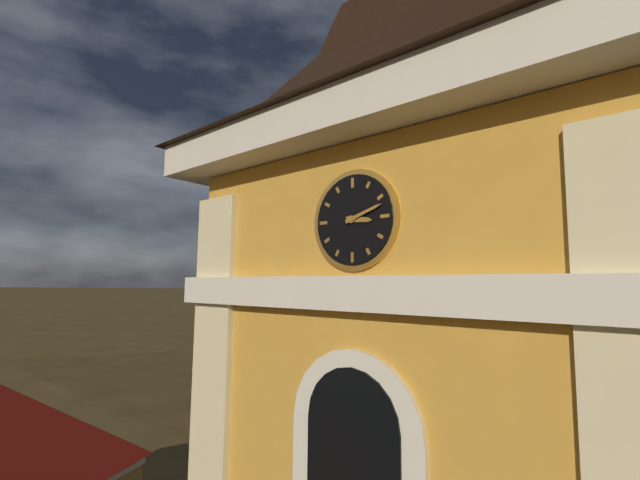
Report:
3h12
